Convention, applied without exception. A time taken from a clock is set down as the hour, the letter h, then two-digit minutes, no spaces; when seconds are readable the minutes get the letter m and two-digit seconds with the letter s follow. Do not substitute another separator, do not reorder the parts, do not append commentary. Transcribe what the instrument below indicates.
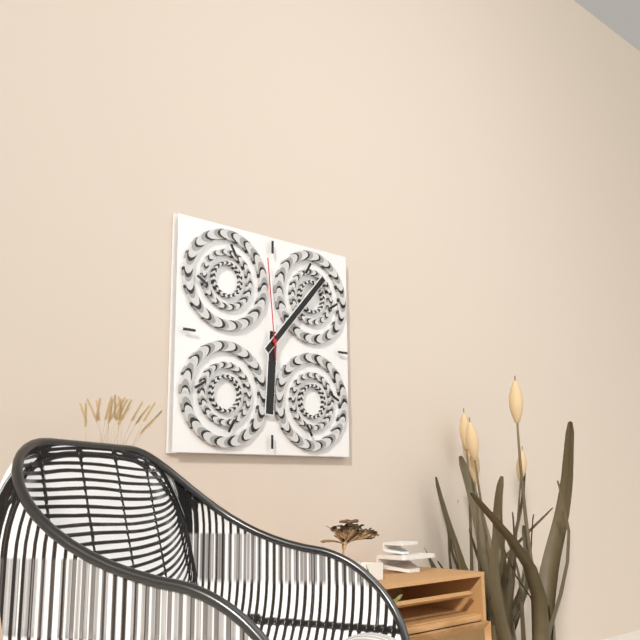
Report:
6h07m59s
